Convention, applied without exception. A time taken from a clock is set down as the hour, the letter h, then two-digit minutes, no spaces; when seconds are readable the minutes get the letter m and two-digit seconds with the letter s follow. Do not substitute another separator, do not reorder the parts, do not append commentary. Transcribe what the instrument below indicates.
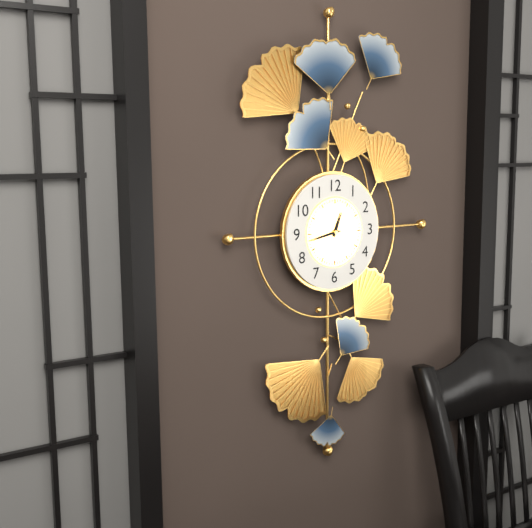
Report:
12h43
